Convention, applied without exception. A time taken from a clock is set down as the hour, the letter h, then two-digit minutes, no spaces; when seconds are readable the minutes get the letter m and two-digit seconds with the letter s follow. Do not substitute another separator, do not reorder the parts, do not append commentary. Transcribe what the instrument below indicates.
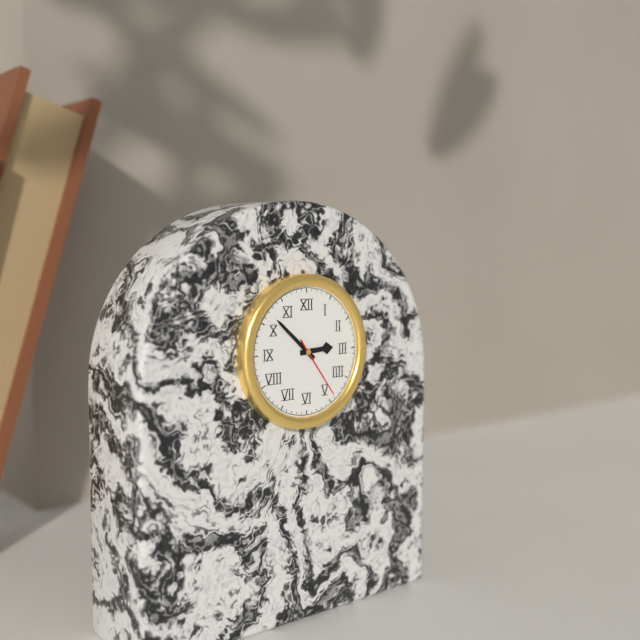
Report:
2h52m24s
